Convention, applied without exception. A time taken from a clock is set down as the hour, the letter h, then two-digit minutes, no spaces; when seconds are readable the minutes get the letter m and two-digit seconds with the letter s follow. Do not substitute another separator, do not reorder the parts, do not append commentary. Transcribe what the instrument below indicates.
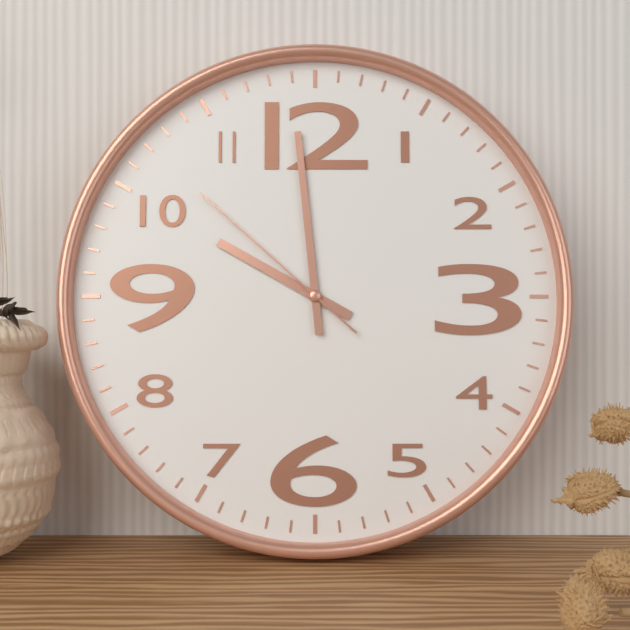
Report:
9h59m52s
